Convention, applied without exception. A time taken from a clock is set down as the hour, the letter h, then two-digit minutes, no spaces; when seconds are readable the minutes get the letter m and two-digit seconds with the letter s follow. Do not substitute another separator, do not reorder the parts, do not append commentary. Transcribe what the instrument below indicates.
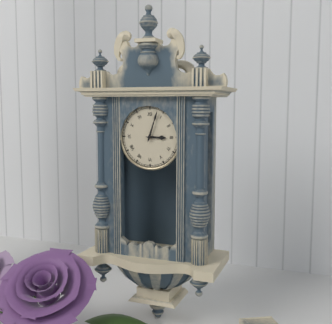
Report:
3h03
